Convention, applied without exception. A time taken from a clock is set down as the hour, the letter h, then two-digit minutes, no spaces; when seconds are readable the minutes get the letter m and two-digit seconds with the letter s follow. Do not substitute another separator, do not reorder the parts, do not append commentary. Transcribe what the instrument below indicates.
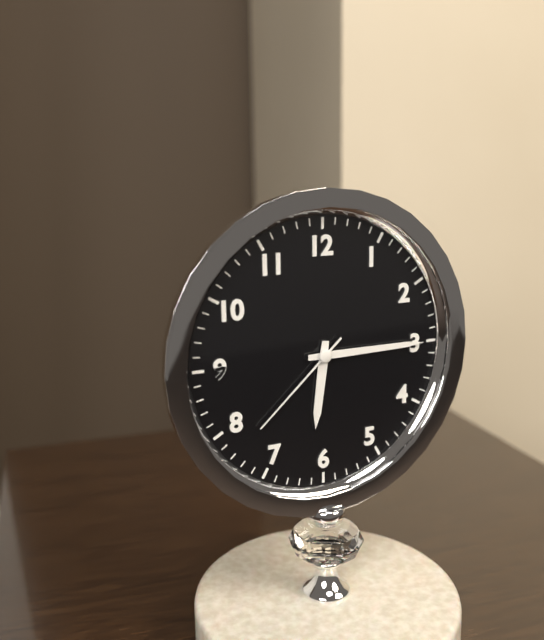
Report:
6h15m38s
